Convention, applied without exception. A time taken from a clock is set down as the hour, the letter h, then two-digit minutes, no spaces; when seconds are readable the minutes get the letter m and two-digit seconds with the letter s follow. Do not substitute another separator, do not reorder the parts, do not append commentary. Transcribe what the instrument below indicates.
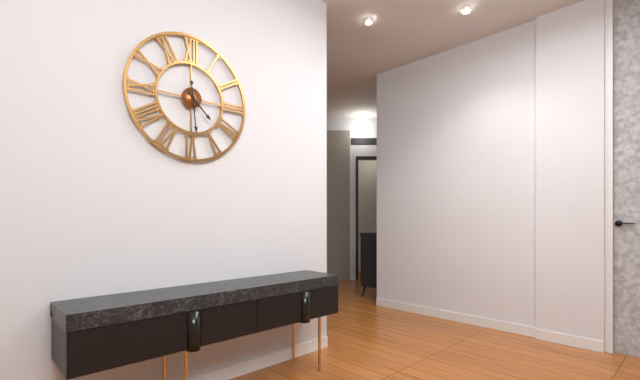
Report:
4h29
